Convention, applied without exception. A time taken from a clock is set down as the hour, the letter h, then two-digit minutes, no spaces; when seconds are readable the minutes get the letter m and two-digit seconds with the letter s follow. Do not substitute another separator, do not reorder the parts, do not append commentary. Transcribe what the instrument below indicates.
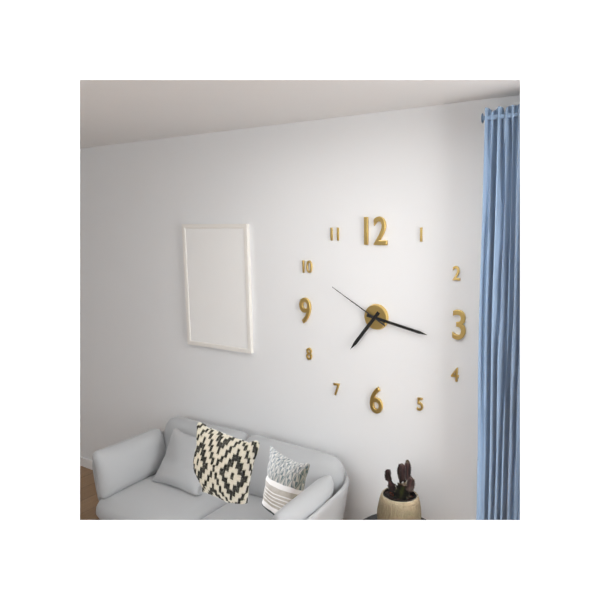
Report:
7h17m50s
